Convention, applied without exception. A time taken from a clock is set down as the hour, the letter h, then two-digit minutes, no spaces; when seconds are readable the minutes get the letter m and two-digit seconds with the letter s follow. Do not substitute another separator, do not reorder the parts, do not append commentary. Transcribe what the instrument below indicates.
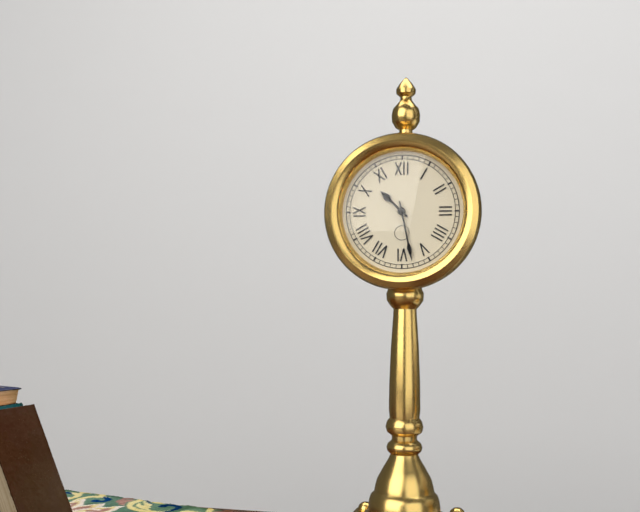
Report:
10h28
